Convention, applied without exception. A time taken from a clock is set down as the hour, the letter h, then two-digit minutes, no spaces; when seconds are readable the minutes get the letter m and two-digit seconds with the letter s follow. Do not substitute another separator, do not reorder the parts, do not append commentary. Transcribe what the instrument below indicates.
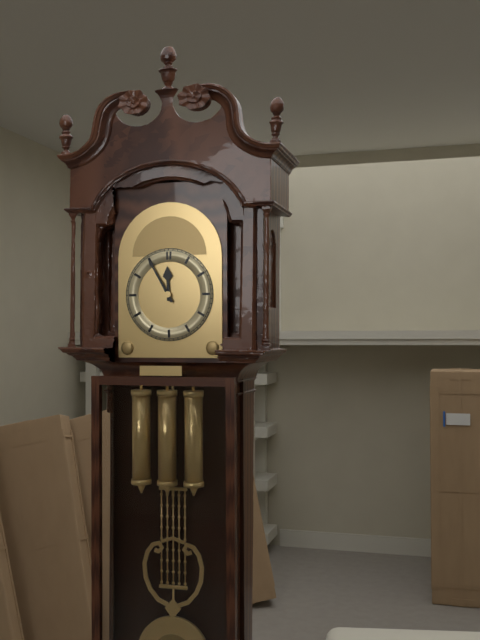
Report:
11h55
